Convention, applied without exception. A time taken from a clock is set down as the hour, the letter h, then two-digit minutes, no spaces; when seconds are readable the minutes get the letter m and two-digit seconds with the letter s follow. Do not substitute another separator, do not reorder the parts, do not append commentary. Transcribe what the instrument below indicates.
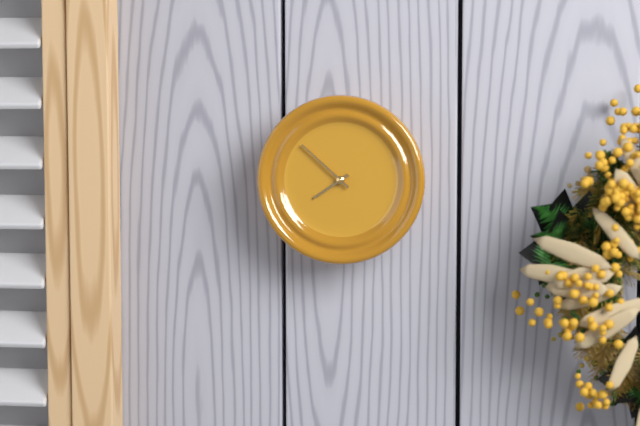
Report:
7h52
